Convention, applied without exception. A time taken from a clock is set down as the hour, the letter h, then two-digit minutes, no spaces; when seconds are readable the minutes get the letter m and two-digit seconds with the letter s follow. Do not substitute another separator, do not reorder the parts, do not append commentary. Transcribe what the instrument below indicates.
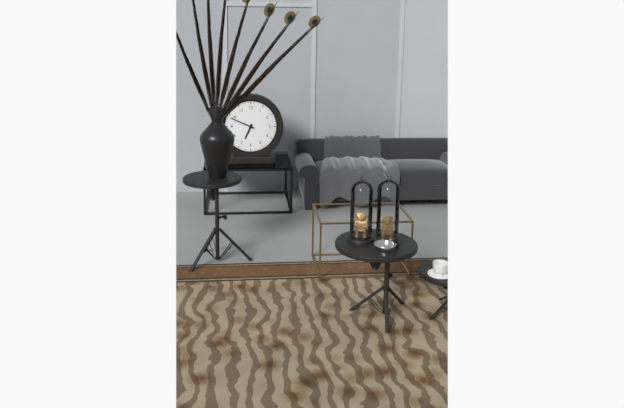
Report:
6h49
